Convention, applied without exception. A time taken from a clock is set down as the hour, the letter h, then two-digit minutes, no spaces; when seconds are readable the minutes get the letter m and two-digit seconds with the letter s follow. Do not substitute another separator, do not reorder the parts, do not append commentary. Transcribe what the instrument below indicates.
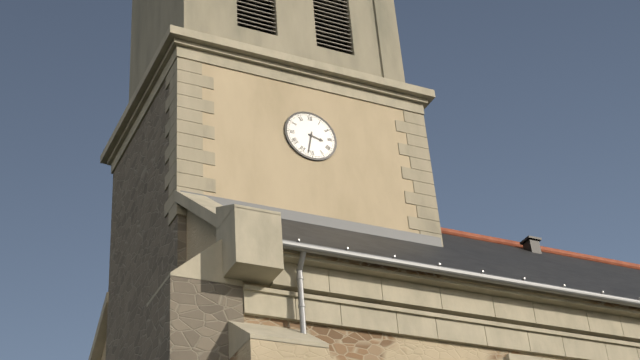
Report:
3h32
